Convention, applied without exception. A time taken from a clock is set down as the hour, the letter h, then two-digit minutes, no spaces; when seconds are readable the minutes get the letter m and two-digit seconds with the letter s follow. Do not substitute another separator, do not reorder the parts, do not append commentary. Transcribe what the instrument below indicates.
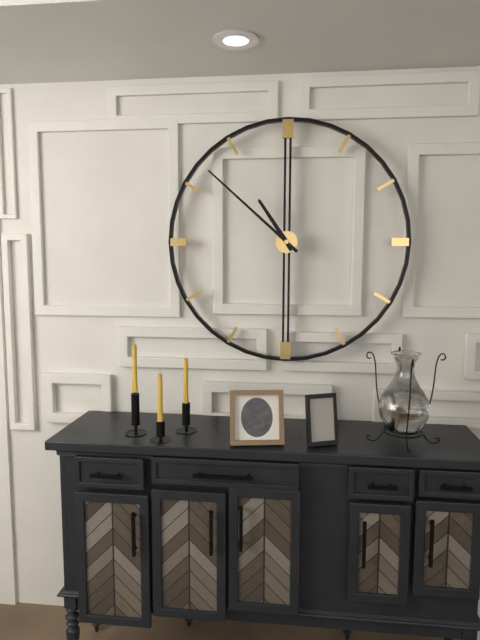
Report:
10h52
